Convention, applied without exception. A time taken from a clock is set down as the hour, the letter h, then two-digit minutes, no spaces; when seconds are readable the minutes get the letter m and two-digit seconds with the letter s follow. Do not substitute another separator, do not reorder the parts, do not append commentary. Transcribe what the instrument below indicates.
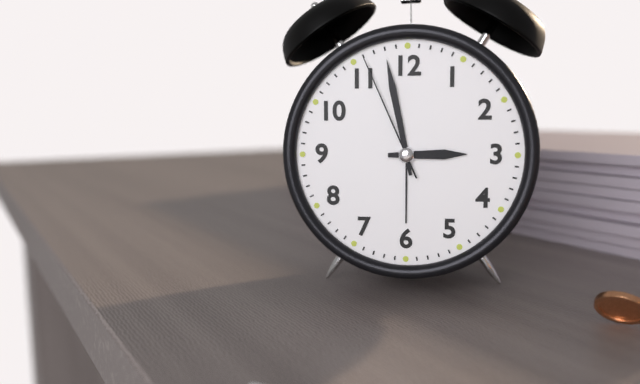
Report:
2h58m56s
